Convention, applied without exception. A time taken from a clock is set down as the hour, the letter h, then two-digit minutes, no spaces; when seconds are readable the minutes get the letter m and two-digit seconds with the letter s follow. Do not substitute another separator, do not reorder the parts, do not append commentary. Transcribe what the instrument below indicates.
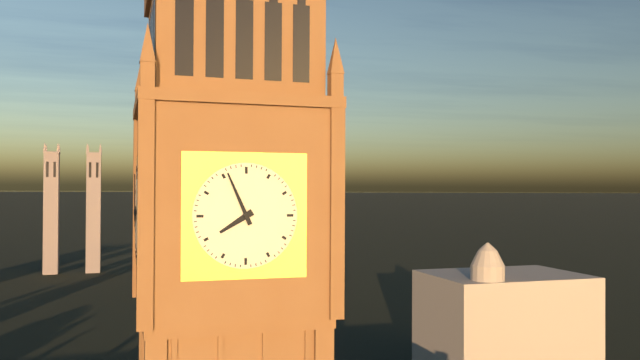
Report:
7h56
